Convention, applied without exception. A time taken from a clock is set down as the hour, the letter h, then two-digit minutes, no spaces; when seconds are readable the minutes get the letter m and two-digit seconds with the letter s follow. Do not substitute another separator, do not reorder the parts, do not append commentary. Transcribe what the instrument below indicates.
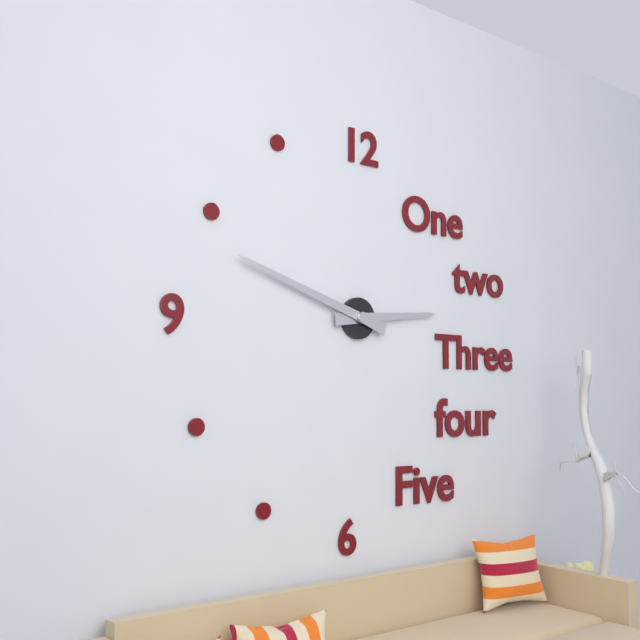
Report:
2h48
